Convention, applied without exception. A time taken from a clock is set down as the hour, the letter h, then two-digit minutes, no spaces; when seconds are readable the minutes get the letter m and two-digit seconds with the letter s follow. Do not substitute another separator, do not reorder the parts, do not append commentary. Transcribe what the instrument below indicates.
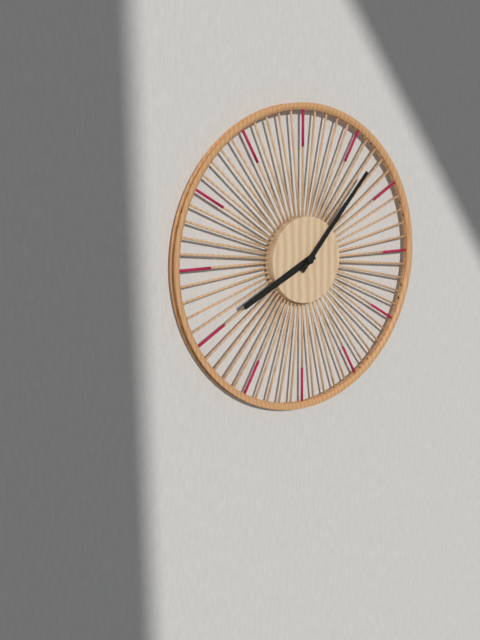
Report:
8h07
